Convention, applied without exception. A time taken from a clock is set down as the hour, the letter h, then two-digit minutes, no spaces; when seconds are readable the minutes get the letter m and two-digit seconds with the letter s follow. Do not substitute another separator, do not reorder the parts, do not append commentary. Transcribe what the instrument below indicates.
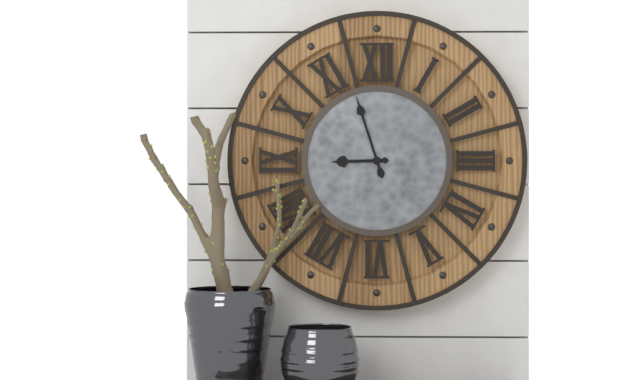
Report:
8h57
